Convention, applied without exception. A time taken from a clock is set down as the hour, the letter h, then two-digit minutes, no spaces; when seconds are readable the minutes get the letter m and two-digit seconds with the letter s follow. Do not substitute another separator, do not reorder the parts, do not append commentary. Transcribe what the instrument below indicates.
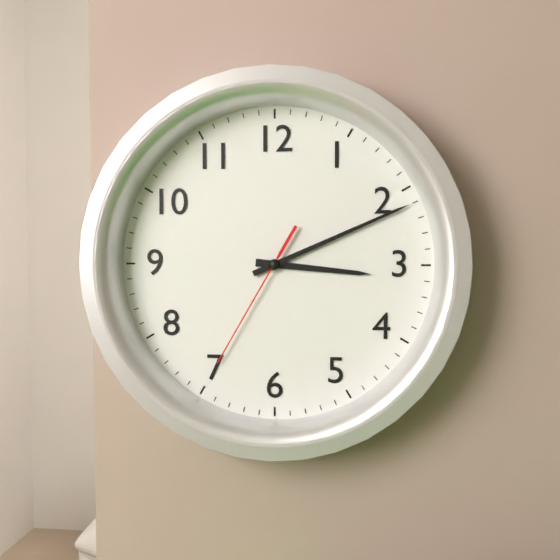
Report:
3h11m35s
